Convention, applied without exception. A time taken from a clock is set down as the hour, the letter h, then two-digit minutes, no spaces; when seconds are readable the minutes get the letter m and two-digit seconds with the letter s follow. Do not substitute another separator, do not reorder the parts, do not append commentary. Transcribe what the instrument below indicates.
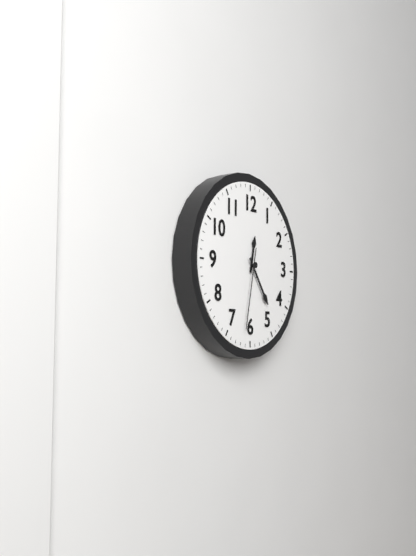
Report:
12h24m32s
